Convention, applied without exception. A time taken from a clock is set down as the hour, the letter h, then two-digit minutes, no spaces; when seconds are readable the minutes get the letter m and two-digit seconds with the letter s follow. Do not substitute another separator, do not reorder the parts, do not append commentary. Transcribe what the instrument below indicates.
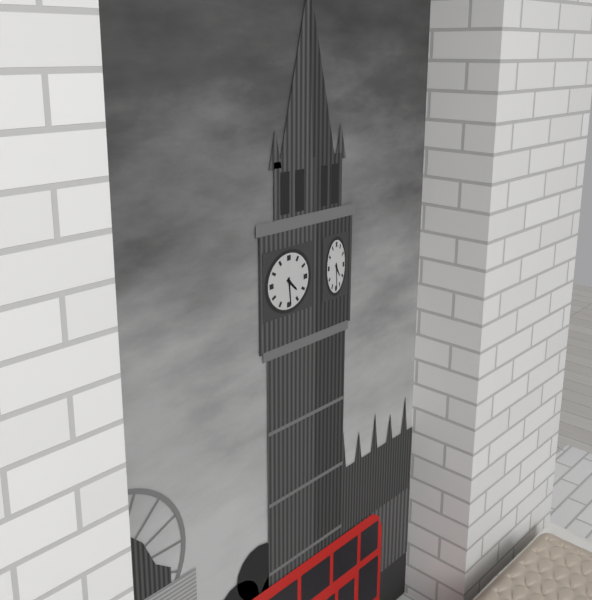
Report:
4h29
